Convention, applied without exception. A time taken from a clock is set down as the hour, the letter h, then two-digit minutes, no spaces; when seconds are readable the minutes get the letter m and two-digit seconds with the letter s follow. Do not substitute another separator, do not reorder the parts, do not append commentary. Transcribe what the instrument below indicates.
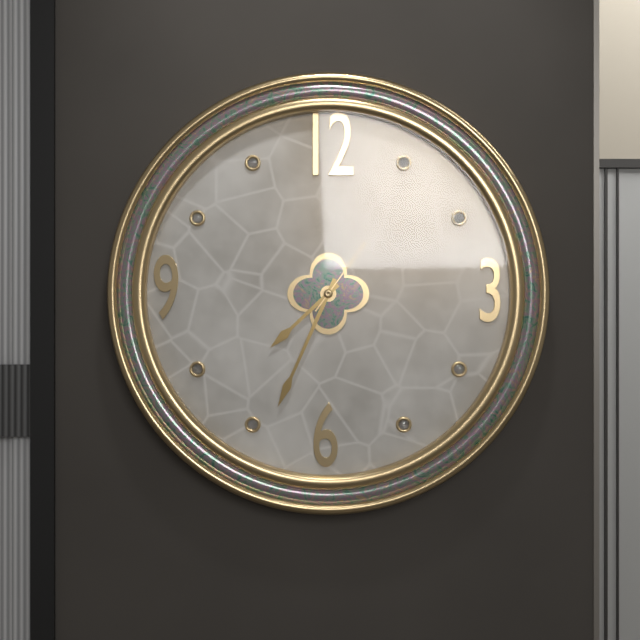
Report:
7h34m06s
